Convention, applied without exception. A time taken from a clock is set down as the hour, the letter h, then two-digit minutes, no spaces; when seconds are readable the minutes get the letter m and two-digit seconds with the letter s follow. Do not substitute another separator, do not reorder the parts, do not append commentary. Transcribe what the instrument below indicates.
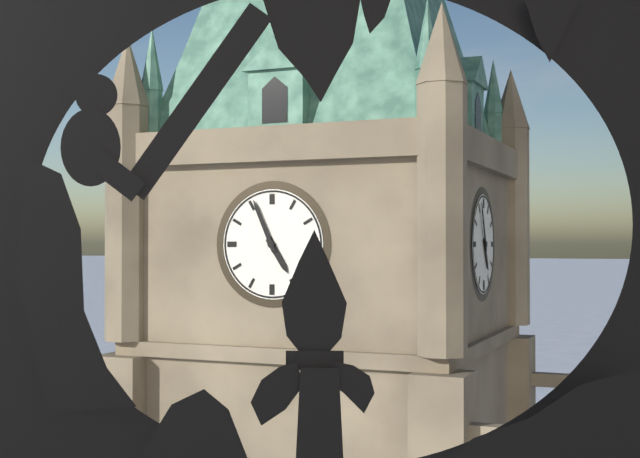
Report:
4h56
